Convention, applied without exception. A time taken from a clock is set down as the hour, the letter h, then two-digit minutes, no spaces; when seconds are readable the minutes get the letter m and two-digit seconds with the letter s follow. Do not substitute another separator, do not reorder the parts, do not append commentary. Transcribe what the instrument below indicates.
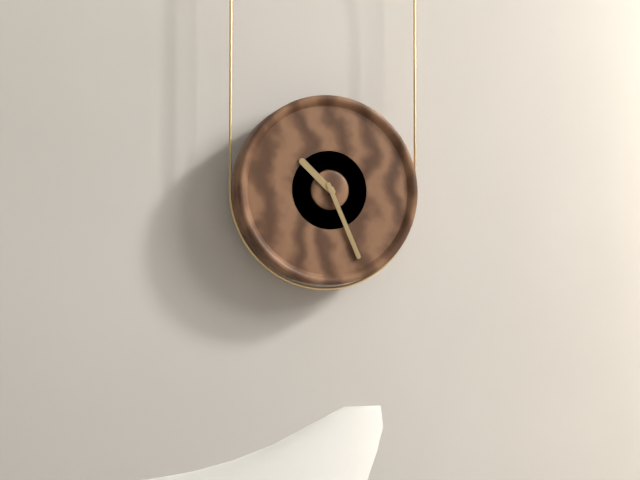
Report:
10h26
